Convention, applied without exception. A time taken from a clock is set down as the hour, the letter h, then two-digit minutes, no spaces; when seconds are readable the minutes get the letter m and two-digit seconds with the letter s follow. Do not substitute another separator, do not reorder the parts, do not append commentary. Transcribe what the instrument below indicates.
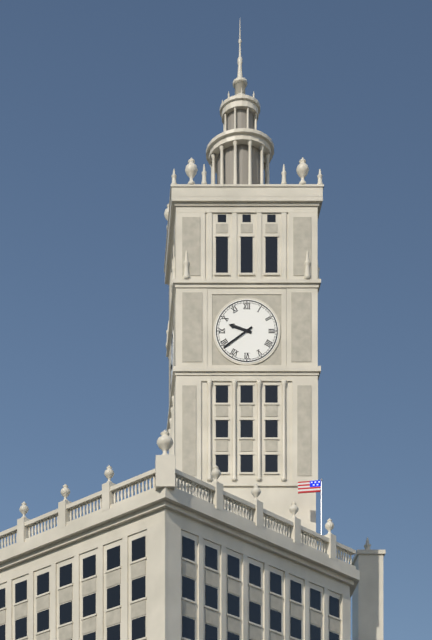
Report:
9h39
